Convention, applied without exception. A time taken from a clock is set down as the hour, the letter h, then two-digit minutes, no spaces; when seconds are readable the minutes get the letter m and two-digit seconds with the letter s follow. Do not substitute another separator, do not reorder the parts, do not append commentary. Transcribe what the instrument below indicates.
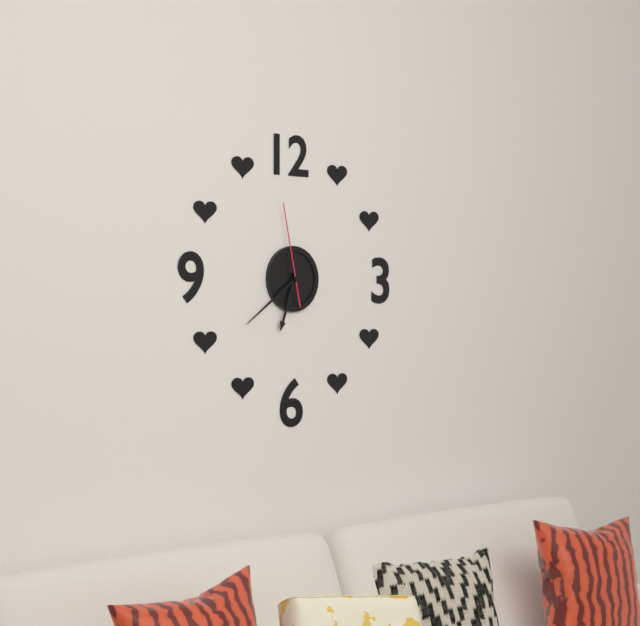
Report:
6h39m58s
